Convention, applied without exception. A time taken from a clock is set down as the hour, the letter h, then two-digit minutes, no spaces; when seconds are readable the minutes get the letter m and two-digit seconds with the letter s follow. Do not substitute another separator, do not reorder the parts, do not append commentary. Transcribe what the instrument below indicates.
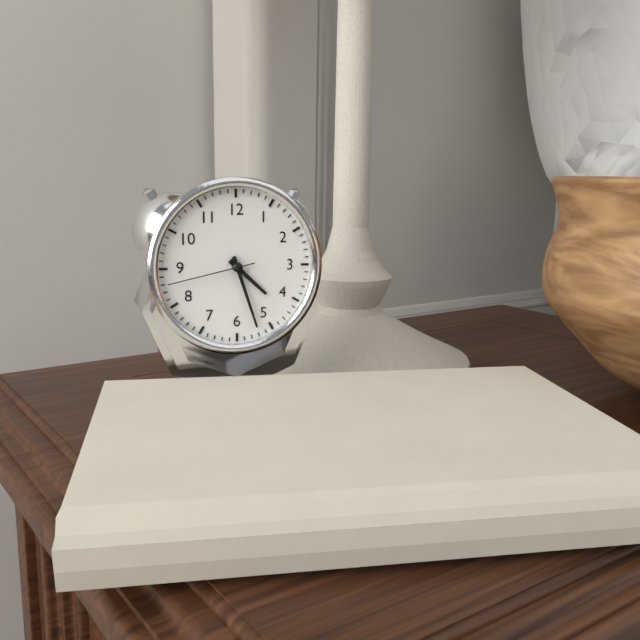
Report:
4h27m43s
